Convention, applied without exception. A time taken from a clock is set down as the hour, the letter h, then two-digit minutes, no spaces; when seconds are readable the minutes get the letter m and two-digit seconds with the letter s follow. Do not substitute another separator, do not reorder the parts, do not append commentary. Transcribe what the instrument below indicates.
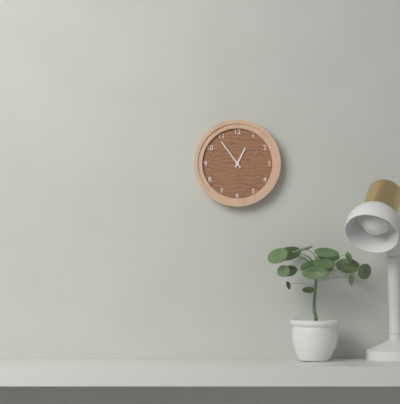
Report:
12h54
